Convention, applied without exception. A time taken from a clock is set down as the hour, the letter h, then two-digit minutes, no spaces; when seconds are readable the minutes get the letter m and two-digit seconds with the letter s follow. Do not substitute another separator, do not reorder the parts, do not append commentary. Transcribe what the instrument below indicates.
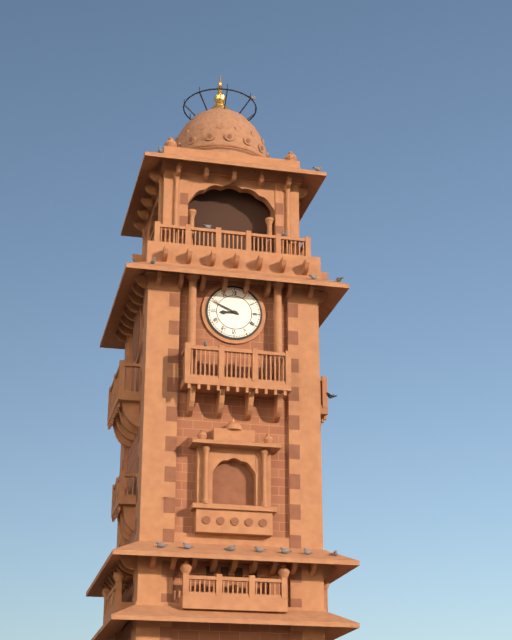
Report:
8h49
